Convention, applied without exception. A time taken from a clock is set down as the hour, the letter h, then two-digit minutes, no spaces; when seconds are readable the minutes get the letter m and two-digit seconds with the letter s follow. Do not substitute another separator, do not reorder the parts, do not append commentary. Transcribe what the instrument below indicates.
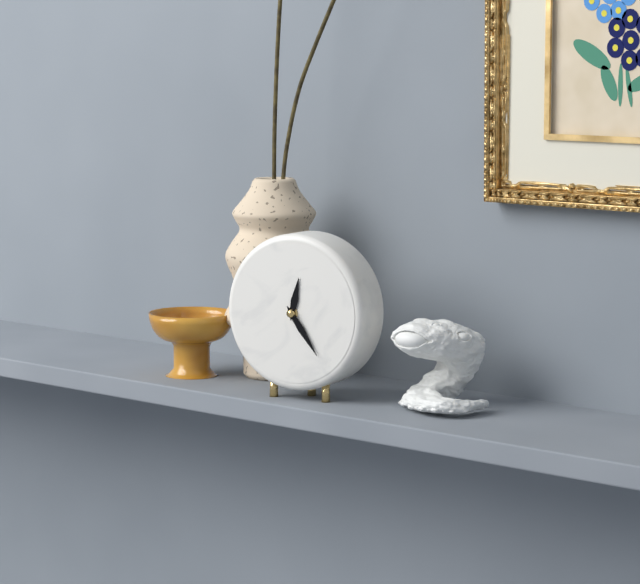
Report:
12h24
